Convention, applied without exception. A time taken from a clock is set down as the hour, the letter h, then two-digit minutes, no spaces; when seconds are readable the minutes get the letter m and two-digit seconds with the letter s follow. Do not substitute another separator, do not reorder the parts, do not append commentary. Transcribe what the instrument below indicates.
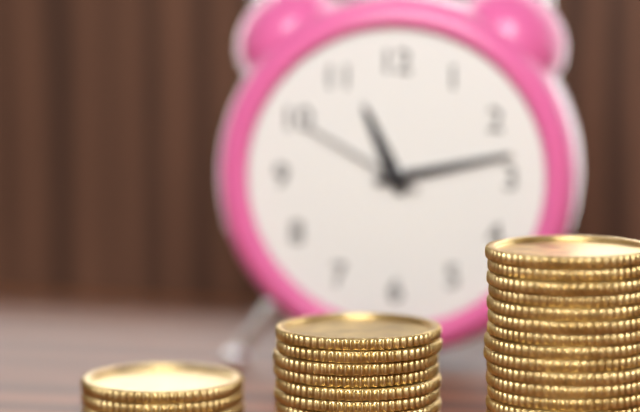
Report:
11h13m50s
